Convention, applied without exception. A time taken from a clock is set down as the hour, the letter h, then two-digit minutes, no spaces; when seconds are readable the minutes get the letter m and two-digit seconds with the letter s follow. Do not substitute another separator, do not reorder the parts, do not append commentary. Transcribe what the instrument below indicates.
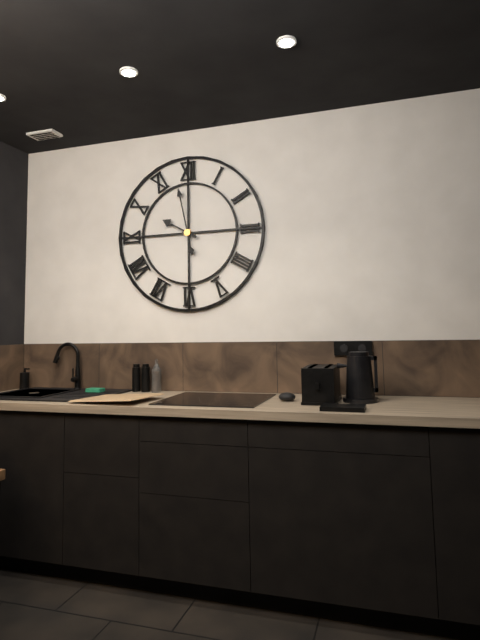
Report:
9h58
